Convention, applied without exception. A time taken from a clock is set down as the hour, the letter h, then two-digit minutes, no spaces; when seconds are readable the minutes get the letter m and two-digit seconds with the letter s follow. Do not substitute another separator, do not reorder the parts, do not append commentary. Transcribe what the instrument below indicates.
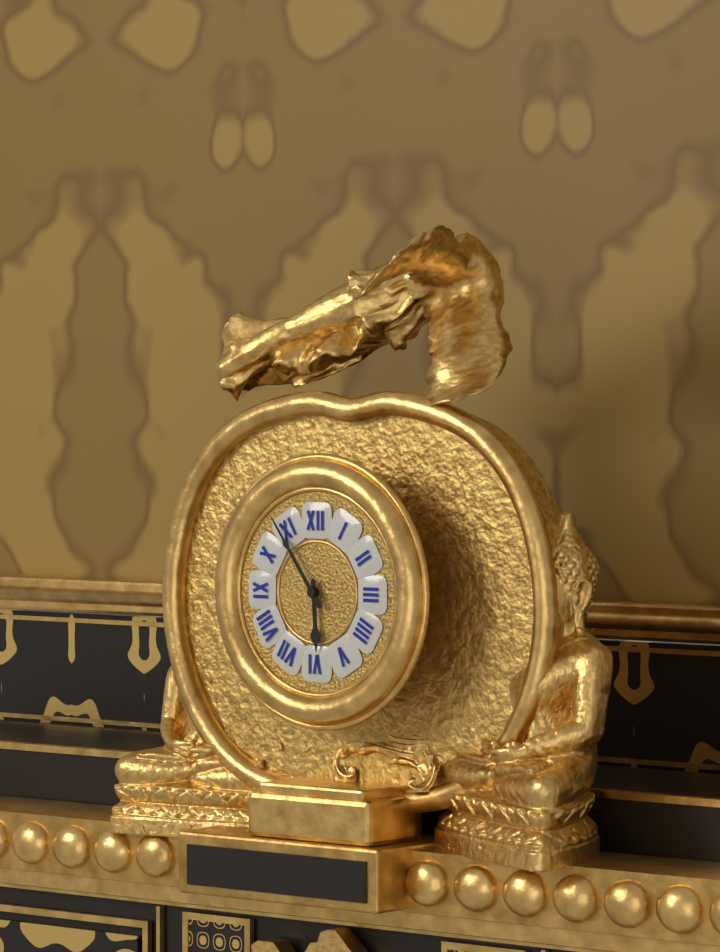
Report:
5h54
